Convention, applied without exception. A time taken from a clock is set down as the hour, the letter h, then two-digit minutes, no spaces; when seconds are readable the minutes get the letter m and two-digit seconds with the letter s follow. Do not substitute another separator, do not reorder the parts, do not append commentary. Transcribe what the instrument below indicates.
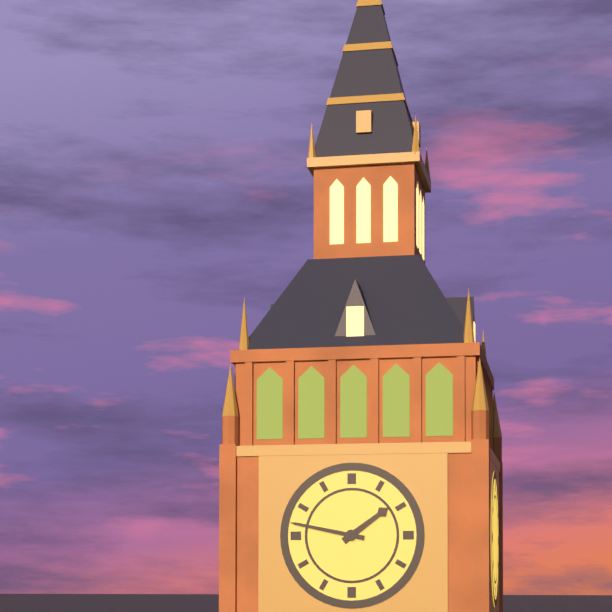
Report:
1h47
